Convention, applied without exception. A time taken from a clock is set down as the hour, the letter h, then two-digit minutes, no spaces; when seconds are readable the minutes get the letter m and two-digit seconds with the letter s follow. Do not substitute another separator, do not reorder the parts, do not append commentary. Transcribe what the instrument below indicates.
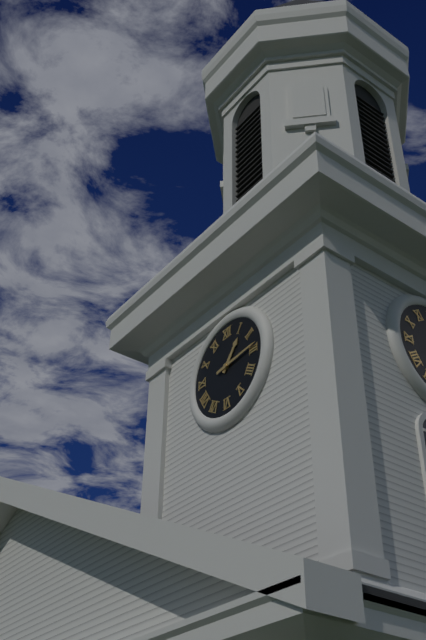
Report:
1h14
